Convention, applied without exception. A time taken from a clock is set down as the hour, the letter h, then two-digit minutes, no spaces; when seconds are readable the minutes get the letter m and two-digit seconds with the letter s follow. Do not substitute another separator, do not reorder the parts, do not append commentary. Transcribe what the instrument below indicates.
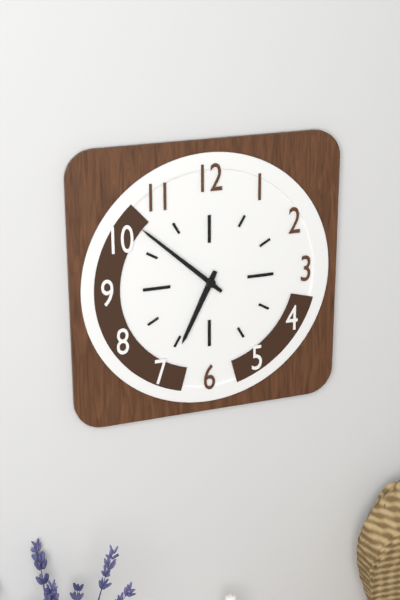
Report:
6h52
